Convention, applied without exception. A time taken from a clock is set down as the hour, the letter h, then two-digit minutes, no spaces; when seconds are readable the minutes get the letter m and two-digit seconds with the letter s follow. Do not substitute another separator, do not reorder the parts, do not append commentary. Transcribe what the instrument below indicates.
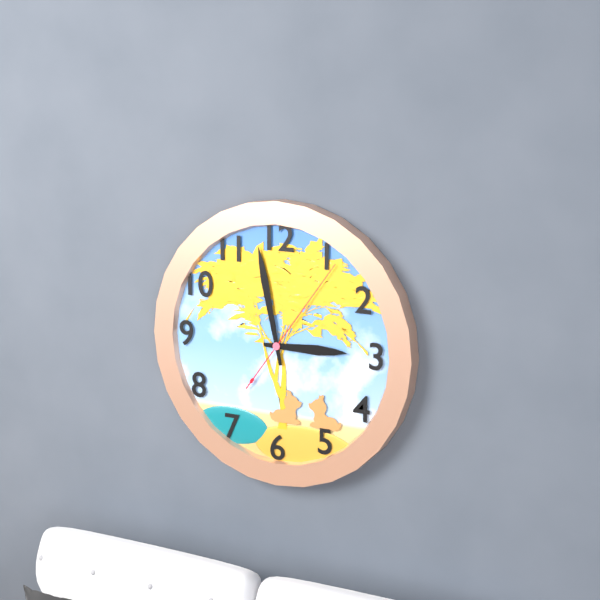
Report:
2h58m06s
